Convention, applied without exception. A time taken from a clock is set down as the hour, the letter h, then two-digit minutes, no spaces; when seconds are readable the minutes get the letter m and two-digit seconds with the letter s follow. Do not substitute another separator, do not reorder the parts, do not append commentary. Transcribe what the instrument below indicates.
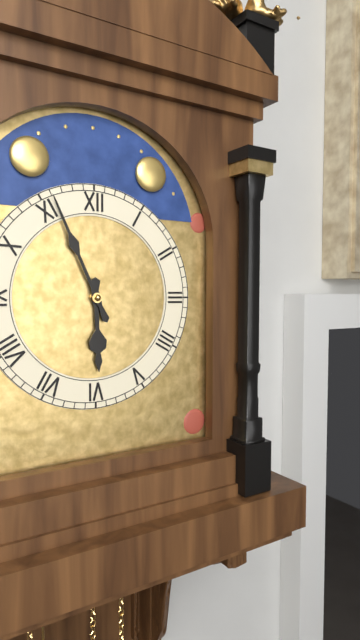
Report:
5h56
